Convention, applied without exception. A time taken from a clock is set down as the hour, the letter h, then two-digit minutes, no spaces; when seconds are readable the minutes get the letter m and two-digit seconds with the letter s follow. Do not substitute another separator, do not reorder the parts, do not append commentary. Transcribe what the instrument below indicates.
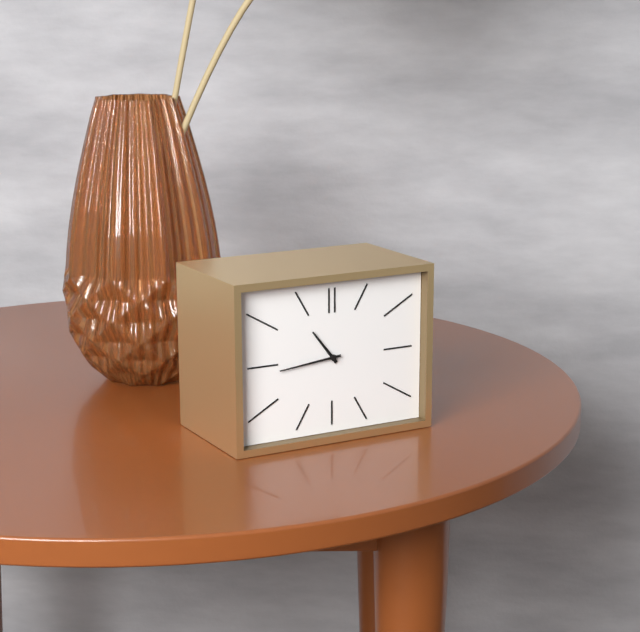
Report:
10h44
